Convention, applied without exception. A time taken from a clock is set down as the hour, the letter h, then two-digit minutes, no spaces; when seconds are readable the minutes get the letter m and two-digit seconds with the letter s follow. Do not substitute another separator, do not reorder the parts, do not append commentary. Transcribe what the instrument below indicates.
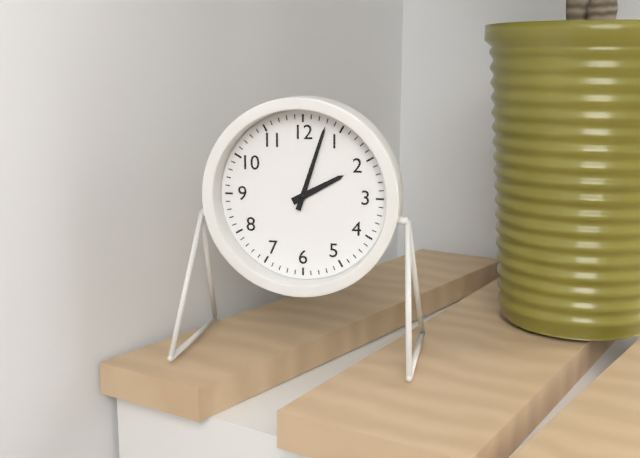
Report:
2h03
